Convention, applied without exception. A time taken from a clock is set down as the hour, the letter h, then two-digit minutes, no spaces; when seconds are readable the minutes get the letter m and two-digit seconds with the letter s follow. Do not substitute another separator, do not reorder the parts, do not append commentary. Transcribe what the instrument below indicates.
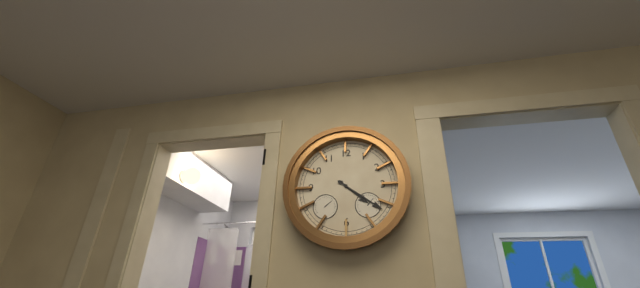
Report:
4h21
